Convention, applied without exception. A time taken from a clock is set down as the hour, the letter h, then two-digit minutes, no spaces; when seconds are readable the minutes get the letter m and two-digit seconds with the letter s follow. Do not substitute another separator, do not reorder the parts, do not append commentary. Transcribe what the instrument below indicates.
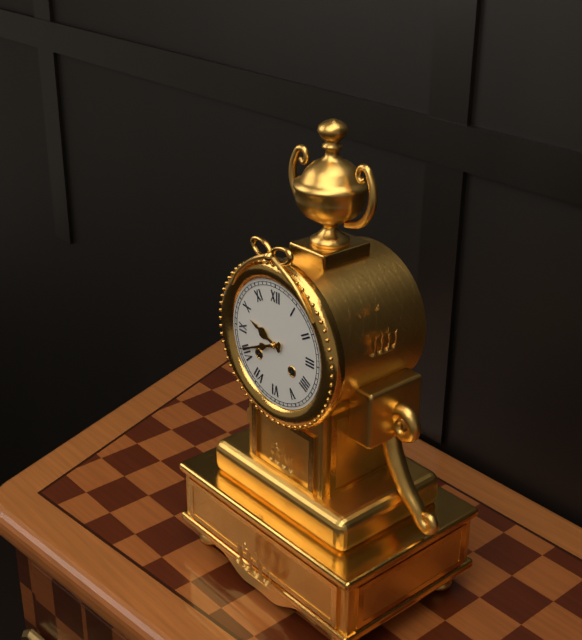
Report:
9h41
